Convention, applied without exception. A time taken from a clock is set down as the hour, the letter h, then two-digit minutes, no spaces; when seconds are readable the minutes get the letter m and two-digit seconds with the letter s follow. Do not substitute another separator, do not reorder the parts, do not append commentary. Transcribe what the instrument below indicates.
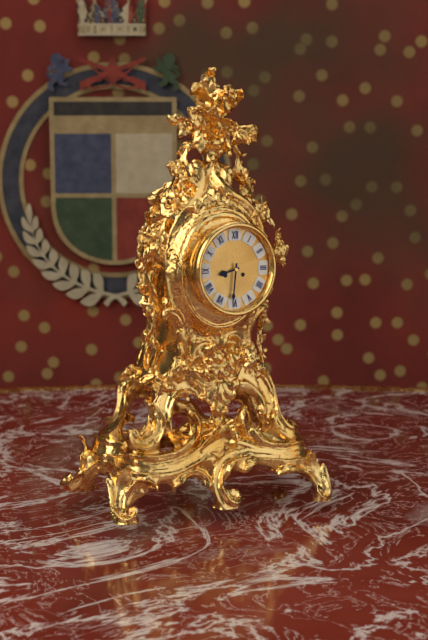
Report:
8h31
